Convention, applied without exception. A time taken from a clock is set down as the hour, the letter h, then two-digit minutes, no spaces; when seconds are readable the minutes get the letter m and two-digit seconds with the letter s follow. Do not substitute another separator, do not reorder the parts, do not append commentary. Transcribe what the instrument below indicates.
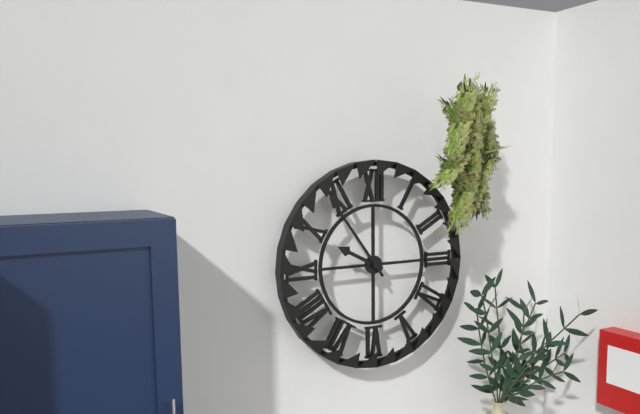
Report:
9h54
